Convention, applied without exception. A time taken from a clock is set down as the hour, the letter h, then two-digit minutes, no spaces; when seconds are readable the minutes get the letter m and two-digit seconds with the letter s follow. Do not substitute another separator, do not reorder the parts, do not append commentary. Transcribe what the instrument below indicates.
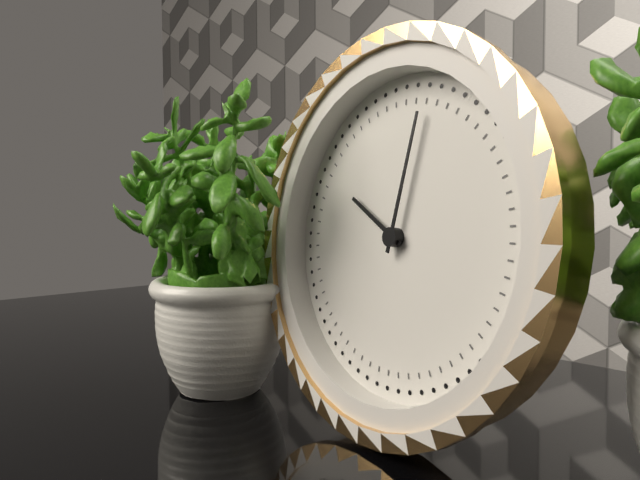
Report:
10h02
